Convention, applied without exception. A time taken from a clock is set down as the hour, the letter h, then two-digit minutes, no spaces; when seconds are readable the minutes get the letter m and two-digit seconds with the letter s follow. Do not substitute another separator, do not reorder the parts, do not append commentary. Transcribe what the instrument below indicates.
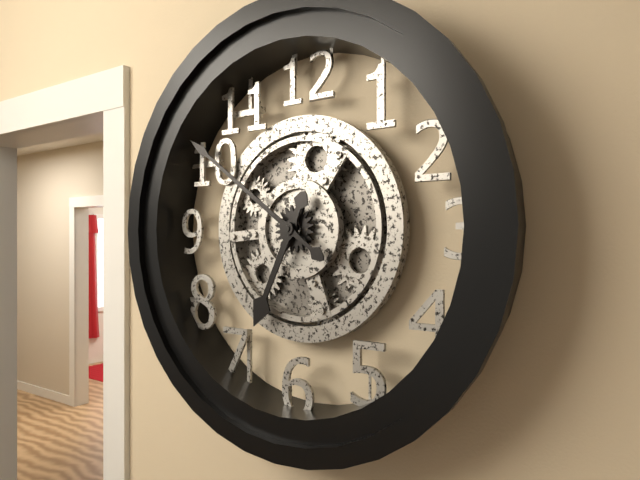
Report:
6h51
